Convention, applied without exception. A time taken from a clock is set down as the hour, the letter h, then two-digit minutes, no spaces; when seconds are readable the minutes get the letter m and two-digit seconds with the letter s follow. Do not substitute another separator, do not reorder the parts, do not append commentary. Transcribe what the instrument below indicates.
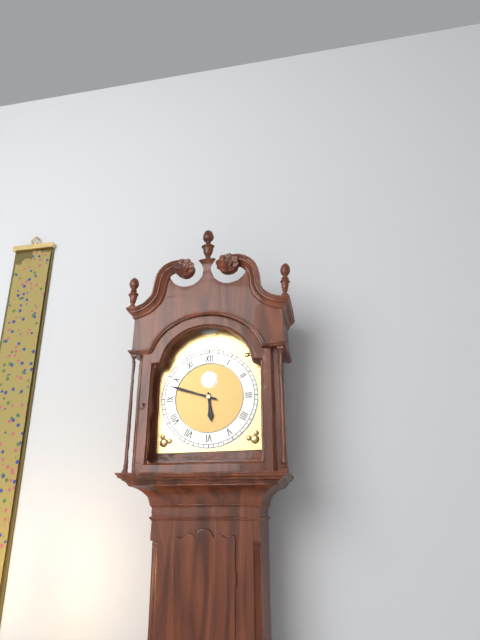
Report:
5h48
